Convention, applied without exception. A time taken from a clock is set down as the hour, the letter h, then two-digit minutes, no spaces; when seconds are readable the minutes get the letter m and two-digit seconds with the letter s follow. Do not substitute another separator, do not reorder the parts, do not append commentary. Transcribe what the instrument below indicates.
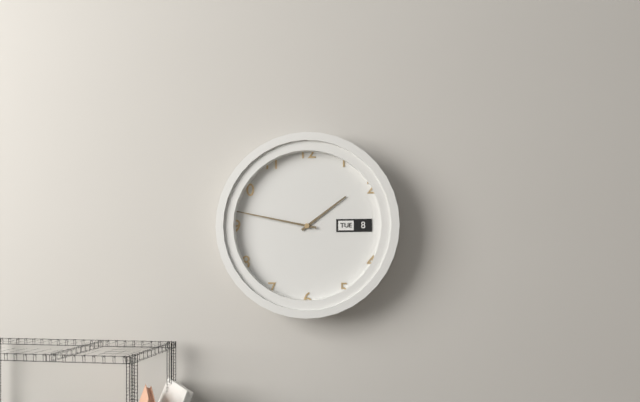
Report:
1h47
